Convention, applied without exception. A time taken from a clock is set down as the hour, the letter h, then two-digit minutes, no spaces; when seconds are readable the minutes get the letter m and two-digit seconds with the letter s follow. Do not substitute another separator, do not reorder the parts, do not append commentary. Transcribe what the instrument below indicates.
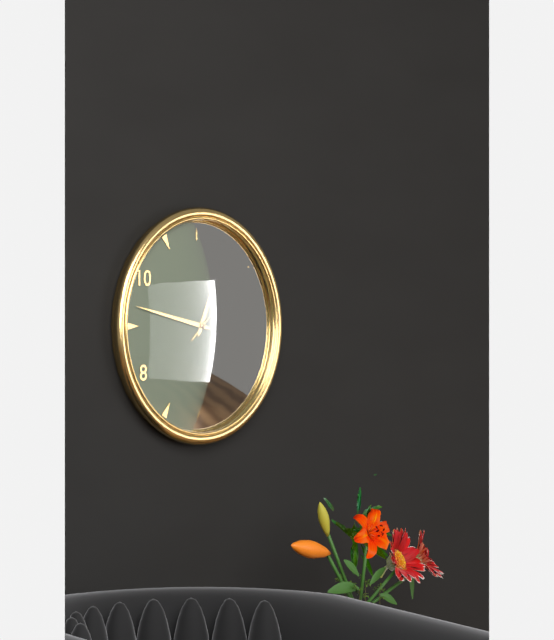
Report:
12h47m08s
